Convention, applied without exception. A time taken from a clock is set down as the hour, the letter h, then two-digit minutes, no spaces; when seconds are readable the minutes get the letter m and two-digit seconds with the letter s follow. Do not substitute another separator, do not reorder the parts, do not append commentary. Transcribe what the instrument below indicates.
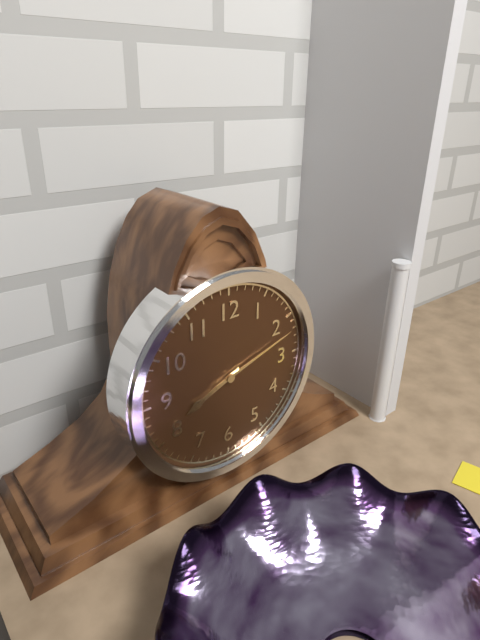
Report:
8h12
